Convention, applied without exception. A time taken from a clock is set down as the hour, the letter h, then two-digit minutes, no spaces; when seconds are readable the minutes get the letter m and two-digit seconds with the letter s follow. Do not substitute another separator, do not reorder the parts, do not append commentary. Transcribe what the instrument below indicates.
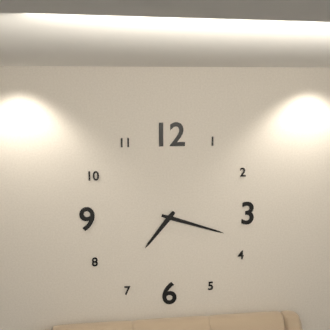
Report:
7h18
